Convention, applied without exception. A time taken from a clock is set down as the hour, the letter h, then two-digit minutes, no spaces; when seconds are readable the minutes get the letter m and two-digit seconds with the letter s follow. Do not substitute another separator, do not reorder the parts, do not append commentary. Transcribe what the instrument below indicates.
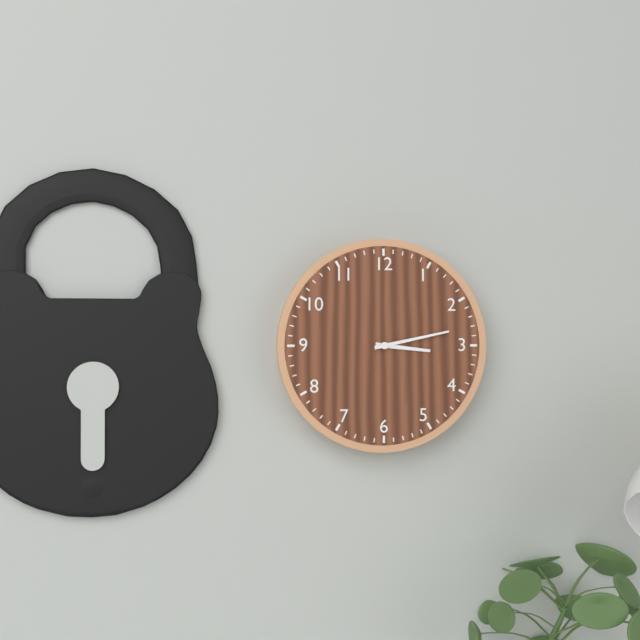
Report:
3h13
